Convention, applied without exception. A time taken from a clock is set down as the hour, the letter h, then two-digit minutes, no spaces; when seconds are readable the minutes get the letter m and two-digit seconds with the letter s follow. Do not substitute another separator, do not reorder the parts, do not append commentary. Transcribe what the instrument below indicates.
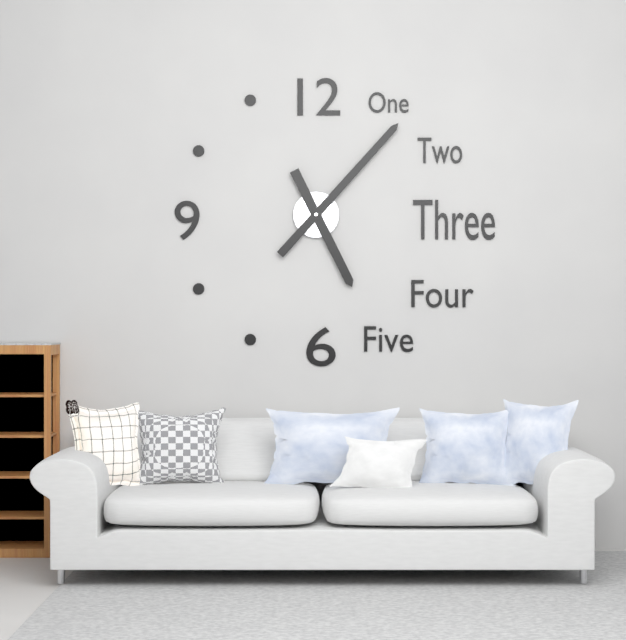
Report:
5h07
